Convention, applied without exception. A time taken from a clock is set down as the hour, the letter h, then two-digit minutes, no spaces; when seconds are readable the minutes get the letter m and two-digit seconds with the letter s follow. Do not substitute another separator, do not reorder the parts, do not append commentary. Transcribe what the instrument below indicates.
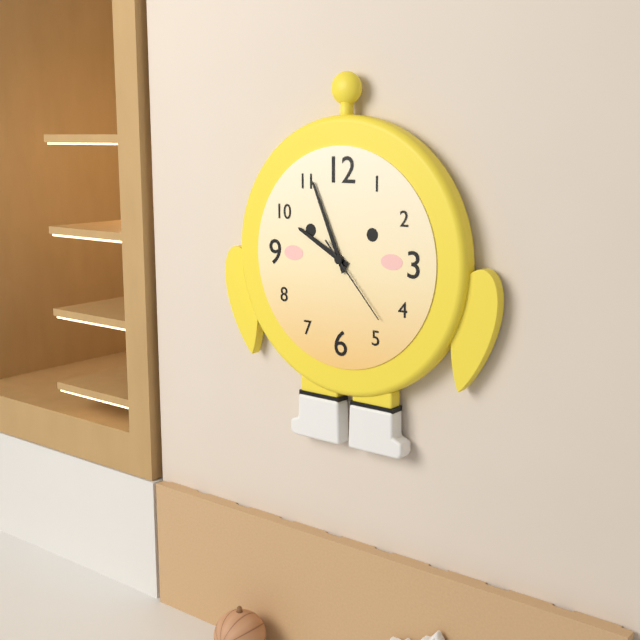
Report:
9h56m23s
